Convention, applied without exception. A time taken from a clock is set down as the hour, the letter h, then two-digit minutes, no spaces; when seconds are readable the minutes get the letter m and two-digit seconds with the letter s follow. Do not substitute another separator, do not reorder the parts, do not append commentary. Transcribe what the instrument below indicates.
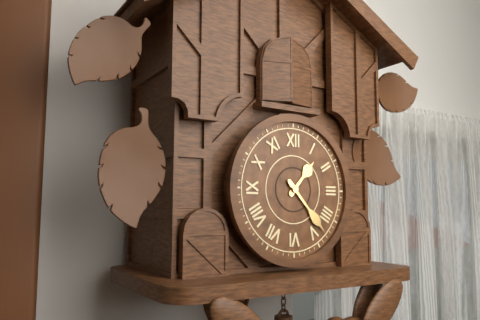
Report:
1h23
